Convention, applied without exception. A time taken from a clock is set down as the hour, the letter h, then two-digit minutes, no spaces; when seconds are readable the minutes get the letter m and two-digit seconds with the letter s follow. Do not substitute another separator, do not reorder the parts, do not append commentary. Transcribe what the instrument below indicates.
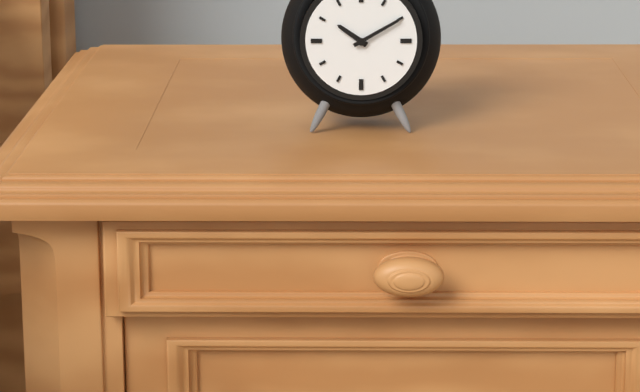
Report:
10h10
